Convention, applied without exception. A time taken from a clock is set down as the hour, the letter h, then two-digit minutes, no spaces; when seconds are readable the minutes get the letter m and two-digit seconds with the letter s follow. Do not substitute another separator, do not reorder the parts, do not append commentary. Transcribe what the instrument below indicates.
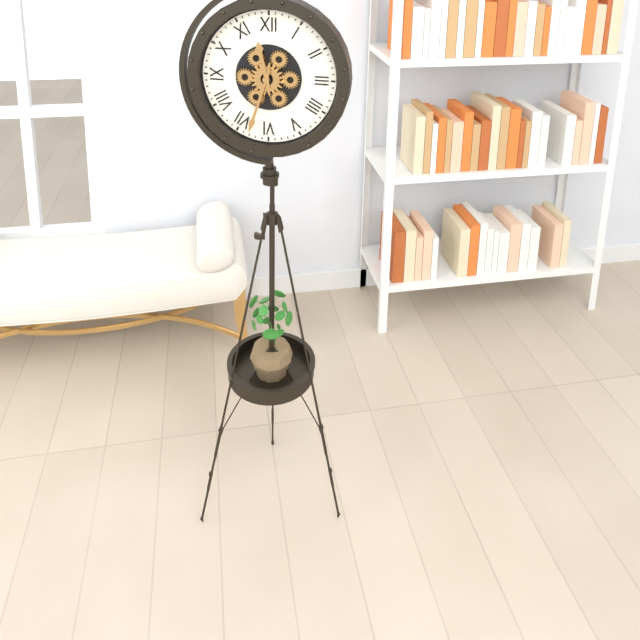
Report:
11h33
